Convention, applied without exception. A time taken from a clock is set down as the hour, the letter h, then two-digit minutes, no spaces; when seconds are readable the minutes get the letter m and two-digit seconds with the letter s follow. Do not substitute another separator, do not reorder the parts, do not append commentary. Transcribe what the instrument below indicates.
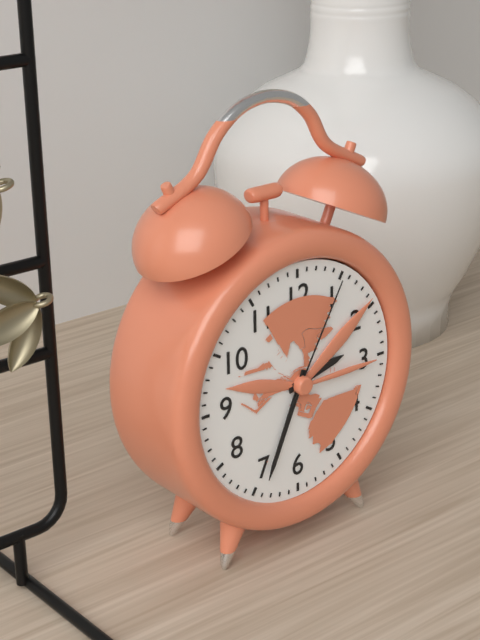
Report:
2h34m05s
